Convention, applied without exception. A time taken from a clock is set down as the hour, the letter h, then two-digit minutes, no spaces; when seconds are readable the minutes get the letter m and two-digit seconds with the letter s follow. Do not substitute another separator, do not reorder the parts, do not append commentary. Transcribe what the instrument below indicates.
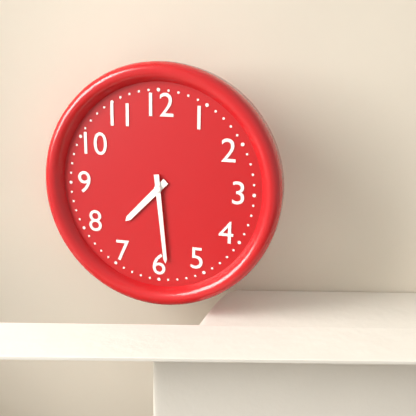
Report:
7h29
